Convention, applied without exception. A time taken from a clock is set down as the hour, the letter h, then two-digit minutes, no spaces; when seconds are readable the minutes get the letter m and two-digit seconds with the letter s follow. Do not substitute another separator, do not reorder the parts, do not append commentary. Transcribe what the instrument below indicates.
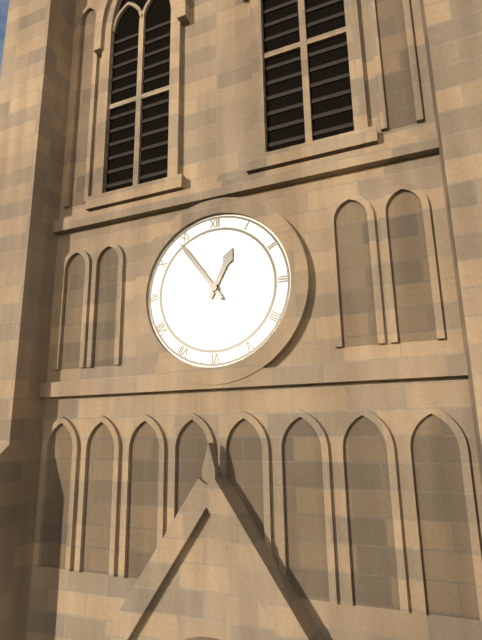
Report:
12h54
